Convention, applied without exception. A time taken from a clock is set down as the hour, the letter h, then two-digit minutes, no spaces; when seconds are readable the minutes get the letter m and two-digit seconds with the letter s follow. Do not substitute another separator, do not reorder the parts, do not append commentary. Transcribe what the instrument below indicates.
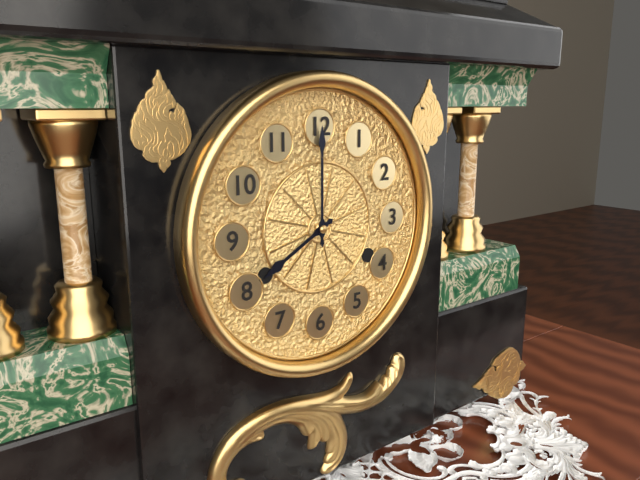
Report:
8h00
